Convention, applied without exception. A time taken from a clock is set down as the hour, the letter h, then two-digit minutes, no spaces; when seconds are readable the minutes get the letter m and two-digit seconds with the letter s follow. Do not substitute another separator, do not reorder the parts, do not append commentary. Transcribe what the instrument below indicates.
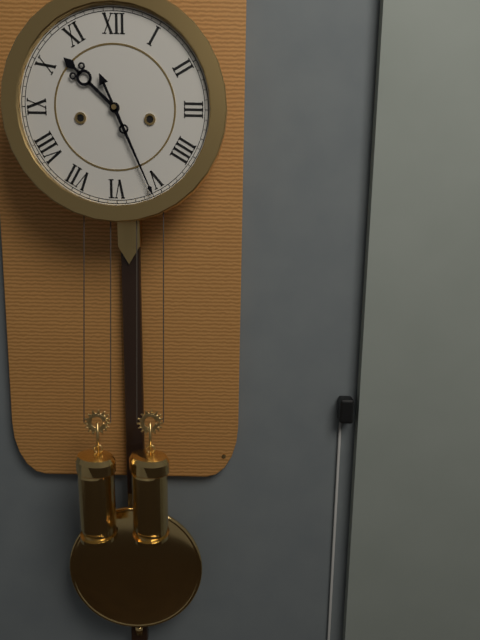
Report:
10h26
